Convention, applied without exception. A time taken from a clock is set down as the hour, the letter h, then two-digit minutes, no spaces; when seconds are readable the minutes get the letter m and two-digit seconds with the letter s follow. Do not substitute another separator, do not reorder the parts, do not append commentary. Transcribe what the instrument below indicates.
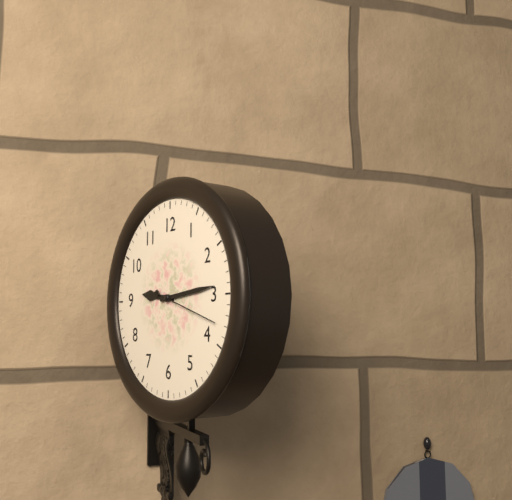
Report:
9h14
